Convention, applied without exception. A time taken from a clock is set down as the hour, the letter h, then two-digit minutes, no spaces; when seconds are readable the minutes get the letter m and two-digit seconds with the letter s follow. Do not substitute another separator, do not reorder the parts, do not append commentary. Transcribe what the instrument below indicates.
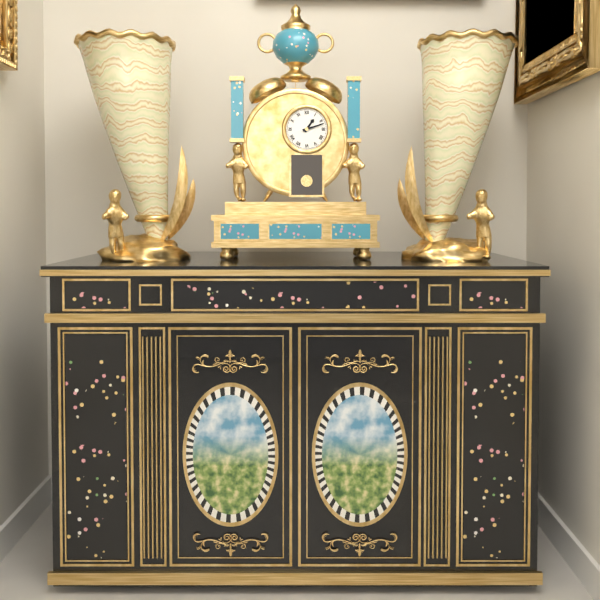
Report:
1h12
